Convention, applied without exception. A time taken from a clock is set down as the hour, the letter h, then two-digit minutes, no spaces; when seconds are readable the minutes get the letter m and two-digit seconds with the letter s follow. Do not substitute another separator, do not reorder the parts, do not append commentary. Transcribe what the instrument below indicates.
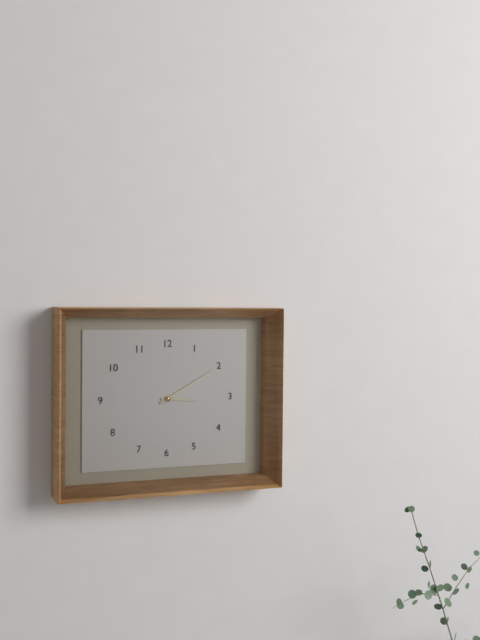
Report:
3h10
